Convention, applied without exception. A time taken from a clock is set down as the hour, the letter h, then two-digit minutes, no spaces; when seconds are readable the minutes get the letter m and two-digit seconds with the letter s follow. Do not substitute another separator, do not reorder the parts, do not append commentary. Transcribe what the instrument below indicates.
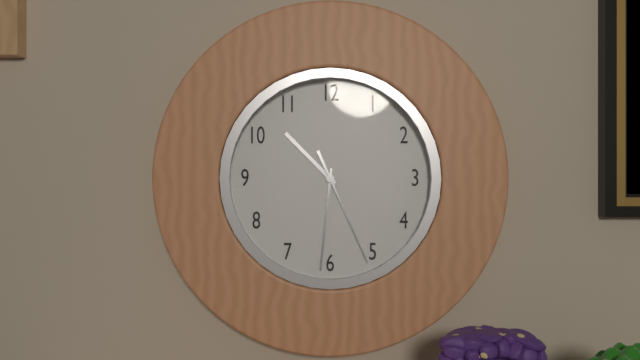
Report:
10h31m26s
